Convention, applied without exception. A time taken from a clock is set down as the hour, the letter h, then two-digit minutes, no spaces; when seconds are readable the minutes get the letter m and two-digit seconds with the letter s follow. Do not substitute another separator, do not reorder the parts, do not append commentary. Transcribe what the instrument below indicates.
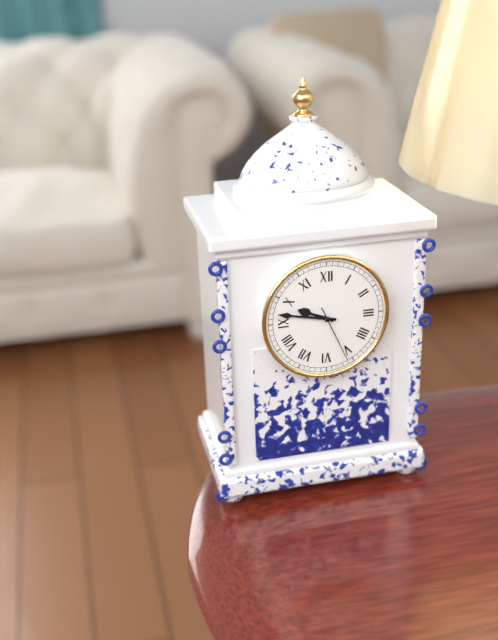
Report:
9h47m26s
